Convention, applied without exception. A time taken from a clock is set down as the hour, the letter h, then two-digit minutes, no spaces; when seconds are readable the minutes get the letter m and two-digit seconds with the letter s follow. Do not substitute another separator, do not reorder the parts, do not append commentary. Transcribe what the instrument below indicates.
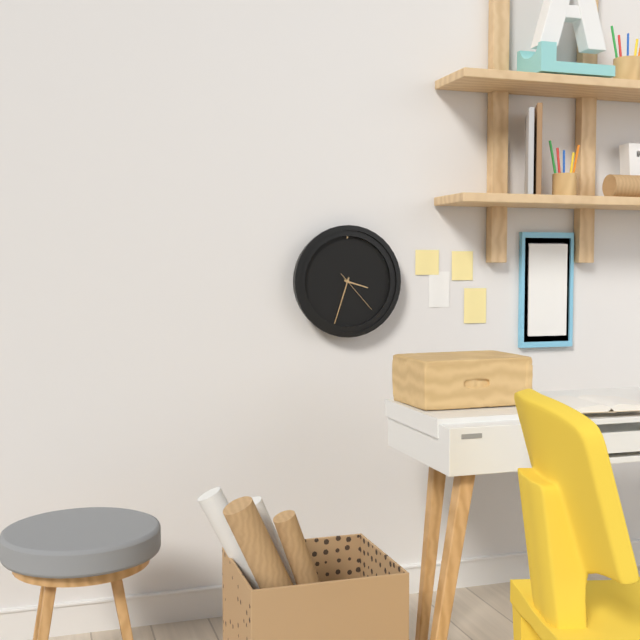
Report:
3h33
